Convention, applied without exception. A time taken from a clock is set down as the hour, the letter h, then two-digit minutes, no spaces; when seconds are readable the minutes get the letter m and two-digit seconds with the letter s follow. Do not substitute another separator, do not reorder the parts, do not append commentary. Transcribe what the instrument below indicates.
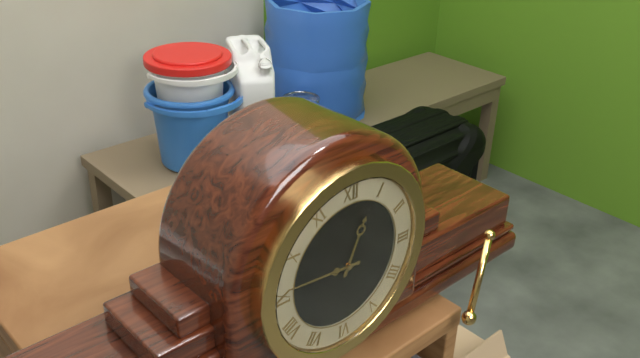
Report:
12h46
